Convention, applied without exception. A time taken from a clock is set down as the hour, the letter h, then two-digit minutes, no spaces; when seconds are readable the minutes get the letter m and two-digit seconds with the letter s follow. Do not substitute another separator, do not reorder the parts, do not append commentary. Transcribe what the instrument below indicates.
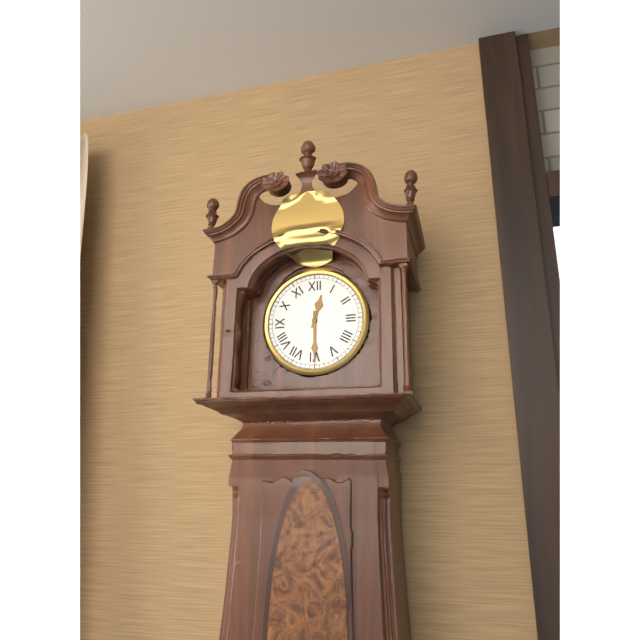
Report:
12h30
